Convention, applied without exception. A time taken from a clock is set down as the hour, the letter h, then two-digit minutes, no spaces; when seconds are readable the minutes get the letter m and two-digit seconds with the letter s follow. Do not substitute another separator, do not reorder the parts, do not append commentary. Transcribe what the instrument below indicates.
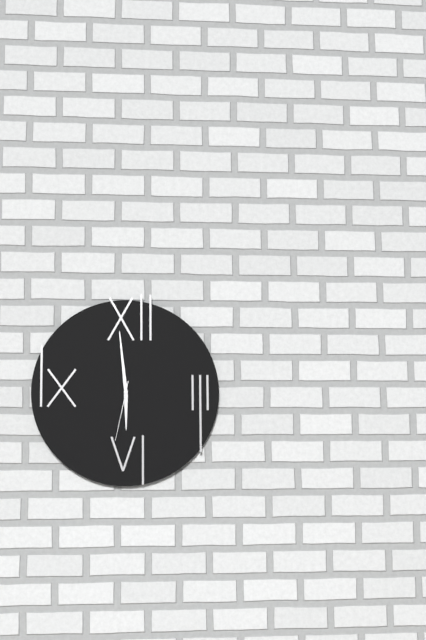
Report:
5h59m32s
